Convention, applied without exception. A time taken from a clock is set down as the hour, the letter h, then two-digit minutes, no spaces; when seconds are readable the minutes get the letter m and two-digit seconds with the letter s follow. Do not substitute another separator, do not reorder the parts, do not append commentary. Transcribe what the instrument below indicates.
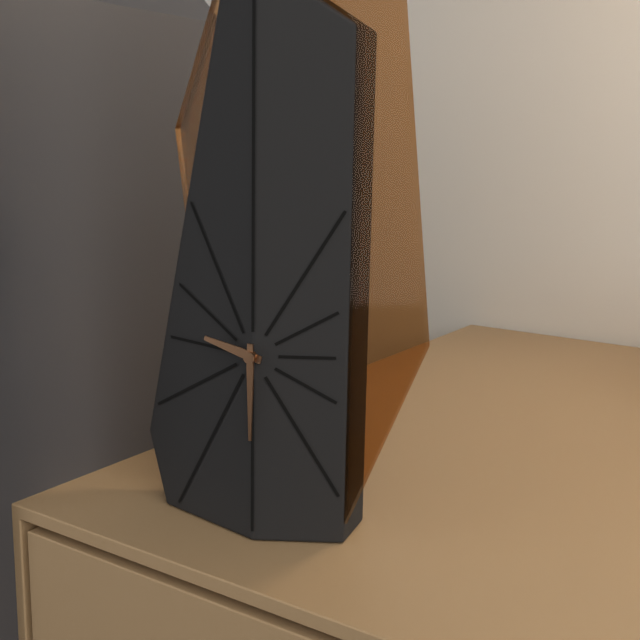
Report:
9h30
